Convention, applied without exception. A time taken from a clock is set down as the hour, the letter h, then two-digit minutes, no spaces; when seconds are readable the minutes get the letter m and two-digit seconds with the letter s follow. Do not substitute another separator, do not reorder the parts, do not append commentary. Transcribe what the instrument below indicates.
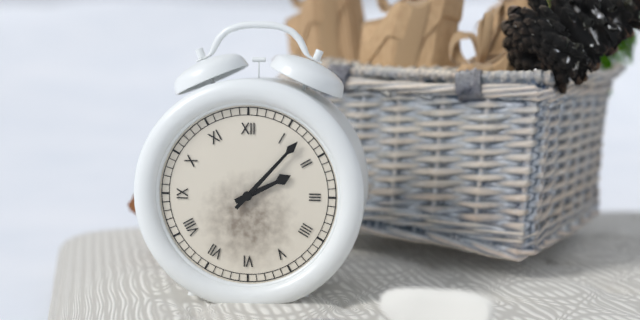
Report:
2h07
